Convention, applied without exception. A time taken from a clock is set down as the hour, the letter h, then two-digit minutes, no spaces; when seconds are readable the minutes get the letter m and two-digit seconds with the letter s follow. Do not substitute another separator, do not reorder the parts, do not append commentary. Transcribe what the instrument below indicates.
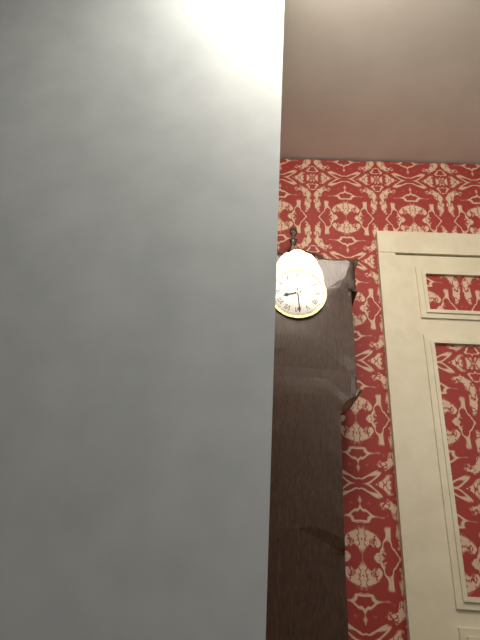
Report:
8h29
